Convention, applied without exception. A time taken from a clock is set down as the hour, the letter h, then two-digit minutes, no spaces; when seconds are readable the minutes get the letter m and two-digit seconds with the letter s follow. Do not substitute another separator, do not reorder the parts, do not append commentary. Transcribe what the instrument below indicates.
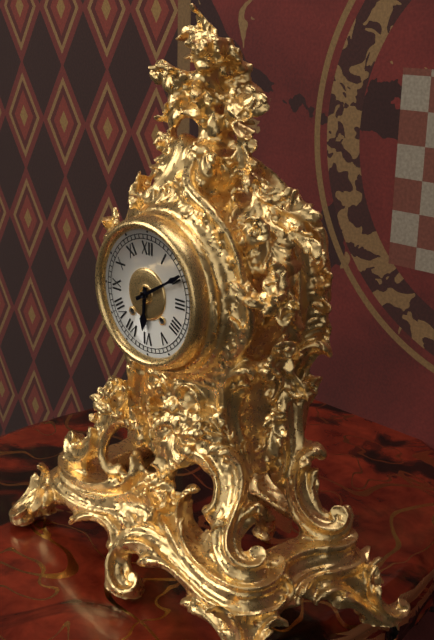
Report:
6h10
